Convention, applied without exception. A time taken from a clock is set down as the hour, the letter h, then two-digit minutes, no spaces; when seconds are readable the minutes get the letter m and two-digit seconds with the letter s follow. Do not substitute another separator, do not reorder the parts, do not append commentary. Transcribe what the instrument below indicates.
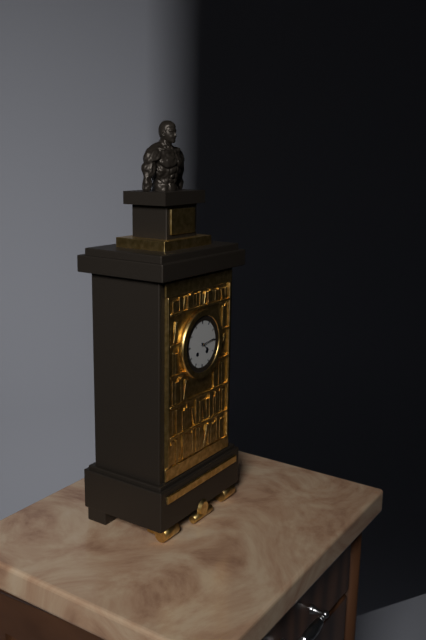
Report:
4h14
